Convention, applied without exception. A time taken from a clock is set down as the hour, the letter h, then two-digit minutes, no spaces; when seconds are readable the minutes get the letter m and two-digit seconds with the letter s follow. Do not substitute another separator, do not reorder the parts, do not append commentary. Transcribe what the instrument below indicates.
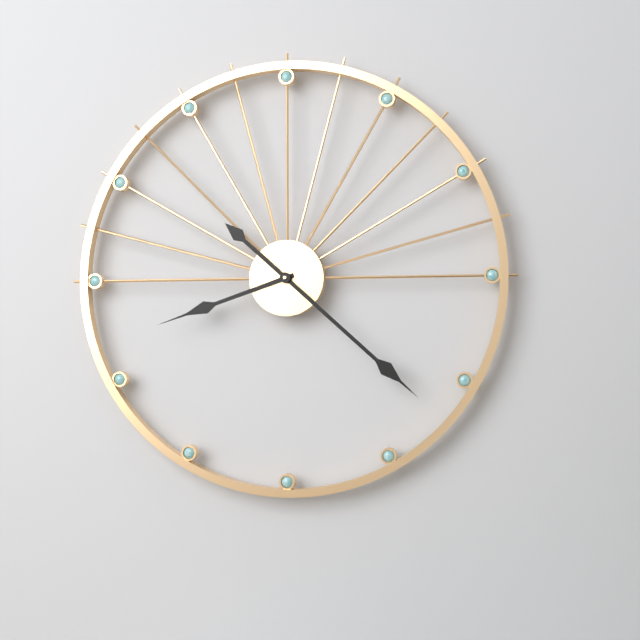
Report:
8h22
